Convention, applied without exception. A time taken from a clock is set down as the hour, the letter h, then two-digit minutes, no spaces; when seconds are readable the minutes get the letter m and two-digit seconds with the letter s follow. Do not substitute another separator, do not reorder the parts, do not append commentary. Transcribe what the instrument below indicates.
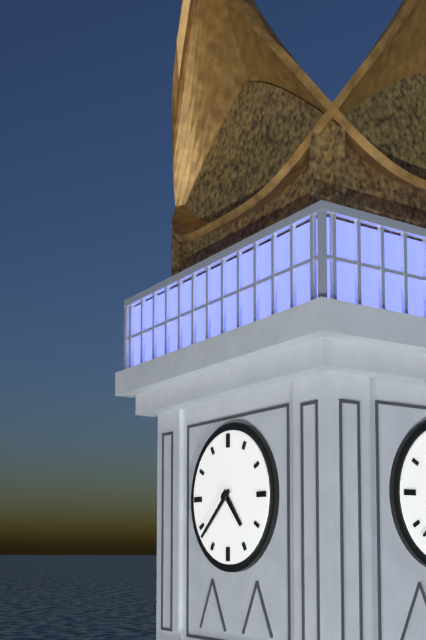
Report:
4h38
